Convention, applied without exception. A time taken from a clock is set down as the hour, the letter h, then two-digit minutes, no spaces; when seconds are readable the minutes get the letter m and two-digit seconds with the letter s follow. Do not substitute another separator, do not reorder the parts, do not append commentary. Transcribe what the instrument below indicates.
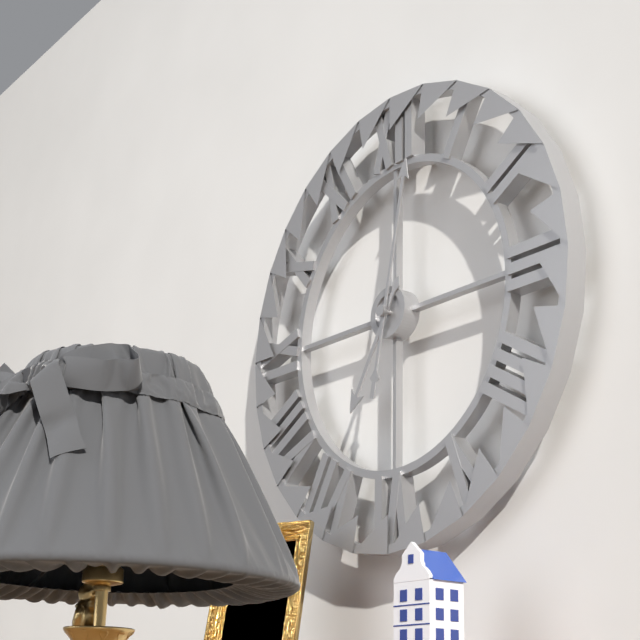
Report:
7h02
